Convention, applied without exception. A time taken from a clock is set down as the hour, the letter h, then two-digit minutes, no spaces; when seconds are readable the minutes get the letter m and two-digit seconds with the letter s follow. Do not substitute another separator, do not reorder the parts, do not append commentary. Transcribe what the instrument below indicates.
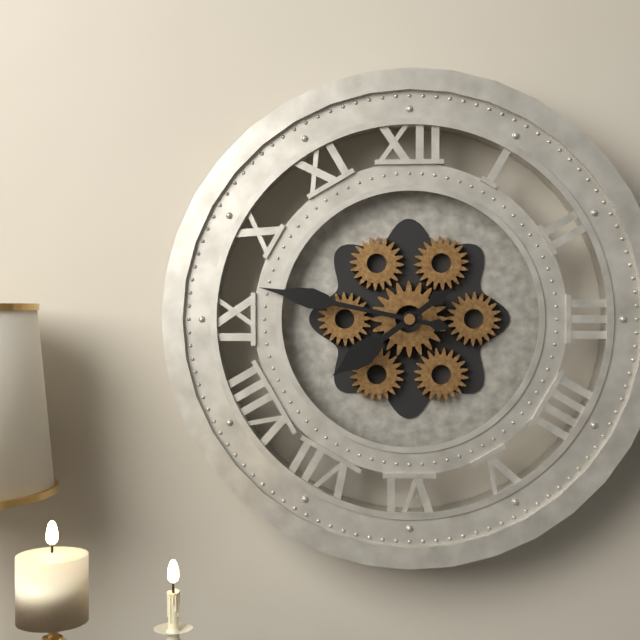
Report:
7h47
